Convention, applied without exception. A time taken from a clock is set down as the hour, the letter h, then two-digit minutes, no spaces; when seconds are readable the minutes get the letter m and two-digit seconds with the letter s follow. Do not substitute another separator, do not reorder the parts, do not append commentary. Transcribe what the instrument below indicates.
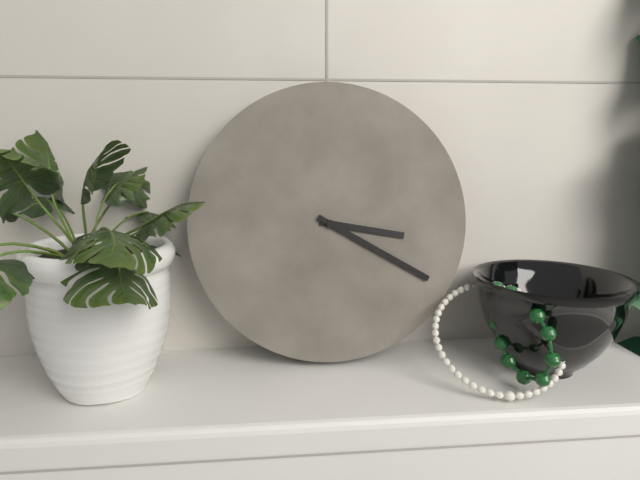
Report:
3h20
